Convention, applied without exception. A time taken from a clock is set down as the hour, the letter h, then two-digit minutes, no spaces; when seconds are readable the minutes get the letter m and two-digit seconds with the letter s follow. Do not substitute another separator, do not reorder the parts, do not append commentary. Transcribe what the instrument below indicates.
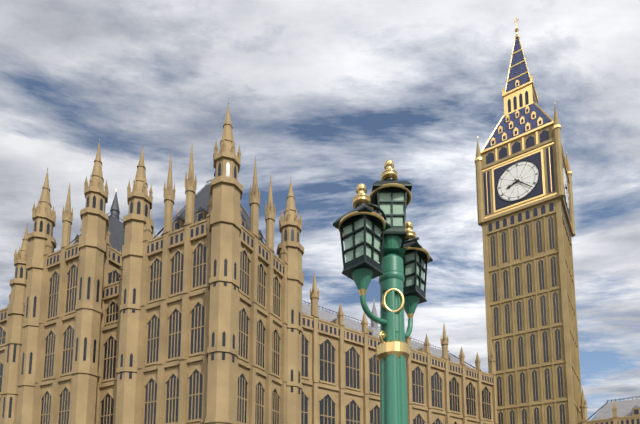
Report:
8h22
